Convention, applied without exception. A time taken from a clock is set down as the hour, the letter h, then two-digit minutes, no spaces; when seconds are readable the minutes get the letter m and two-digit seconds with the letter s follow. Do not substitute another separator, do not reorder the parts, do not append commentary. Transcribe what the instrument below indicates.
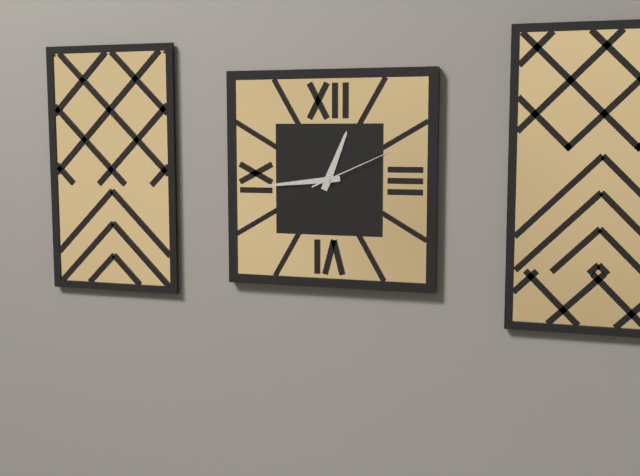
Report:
12h44m11s
